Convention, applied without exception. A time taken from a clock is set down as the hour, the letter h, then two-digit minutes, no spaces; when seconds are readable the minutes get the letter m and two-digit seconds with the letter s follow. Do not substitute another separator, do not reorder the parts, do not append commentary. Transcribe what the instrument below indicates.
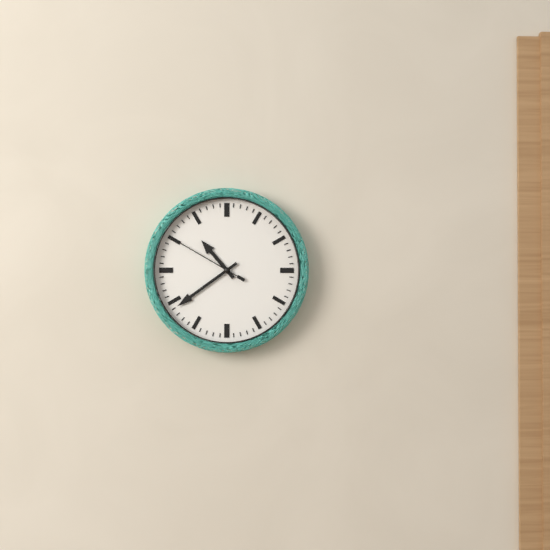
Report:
10h39m50s
